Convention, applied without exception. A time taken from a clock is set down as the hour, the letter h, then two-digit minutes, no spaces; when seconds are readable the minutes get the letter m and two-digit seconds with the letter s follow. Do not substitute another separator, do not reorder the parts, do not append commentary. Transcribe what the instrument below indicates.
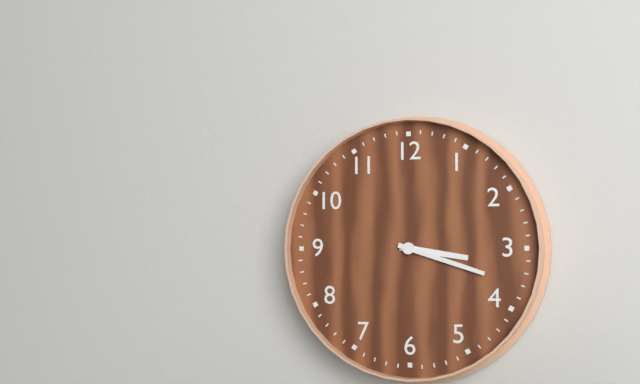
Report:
3h18
